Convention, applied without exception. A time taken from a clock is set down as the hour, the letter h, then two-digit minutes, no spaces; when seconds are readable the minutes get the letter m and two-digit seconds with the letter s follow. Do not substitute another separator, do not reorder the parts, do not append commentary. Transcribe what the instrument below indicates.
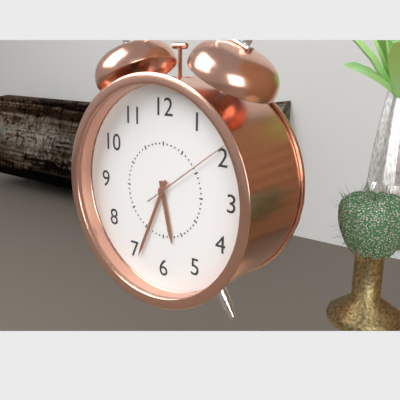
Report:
5h34m09s
